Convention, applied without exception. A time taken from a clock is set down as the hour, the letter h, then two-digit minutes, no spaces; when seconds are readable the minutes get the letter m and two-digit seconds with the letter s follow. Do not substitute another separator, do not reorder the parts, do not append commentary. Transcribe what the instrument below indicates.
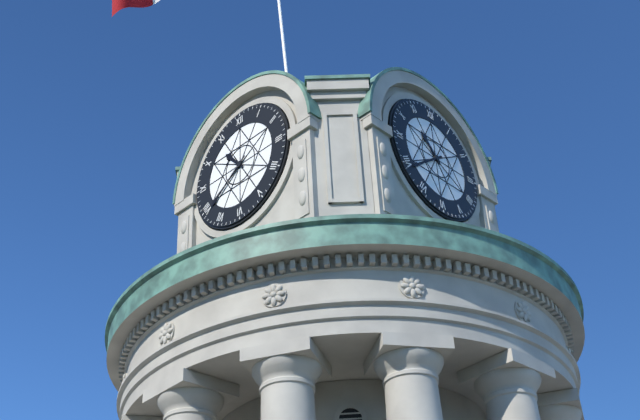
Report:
10h39
